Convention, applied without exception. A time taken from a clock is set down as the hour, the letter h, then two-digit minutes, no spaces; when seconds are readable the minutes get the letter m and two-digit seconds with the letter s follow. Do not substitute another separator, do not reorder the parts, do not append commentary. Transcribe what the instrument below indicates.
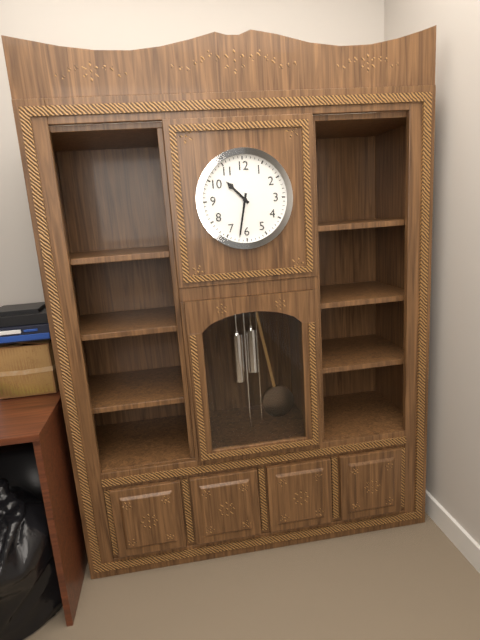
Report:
10h32
